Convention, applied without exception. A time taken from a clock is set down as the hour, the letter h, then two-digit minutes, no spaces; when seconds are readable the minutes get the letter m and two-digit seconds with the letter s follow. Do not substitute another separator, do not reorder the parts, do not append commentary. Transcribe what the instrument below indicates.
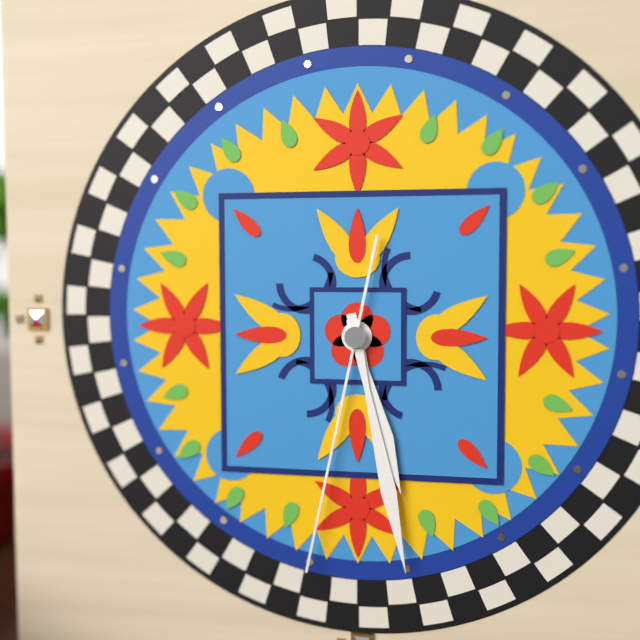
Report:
5h28m32s
